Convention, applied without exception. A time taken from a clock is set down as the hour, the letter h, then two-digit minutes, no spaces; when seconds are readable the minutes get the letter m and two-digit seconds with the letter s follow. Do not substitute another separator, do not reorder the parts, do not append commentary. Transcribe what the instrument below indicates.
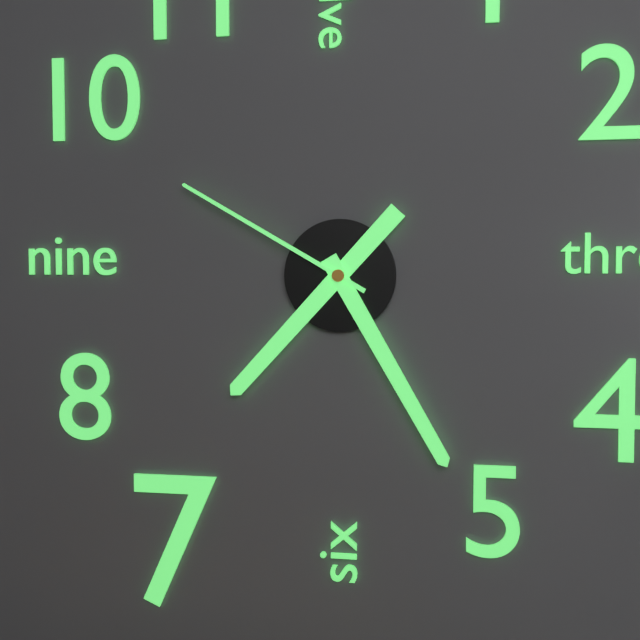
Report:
7h25m50s
